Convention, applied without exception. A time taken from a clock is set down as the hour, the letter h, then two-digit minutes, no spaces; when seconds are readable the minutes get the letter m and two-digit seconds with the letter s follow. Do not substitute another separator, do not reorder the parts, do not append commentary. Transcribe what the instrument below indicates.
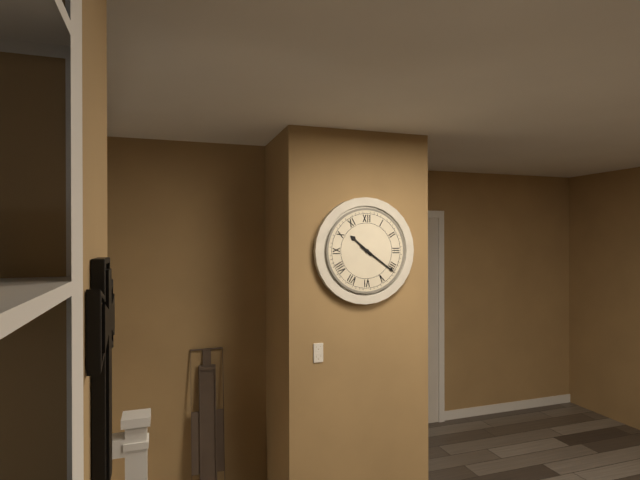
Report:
10h21
